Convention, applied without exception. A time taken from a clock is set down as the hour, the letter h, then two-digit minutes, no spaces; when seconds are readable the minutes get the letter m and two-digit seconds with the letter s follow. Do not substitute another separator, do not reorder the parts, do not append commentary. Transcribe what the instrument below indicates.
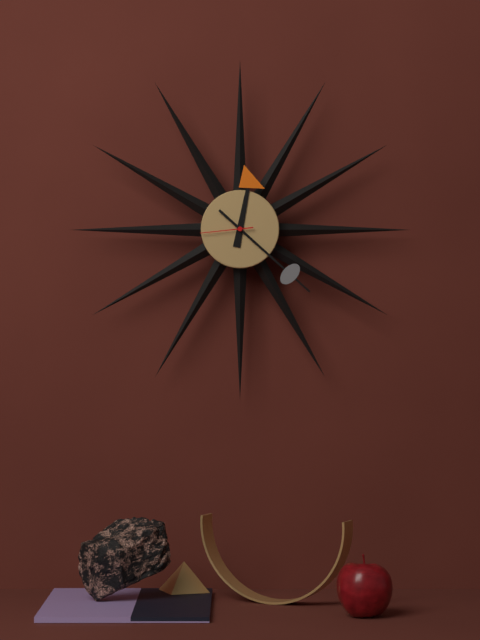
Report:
12h22
